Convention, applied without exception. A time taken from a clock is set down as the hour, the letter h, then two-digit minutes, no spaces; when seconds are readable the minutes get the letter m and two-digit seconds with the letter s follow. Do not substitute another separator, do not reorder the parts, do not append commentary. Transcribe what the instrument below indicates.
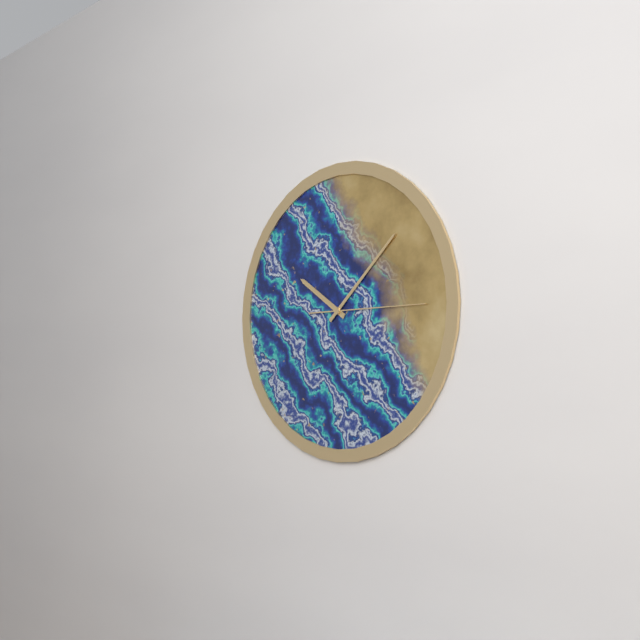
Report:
10h08m15s
